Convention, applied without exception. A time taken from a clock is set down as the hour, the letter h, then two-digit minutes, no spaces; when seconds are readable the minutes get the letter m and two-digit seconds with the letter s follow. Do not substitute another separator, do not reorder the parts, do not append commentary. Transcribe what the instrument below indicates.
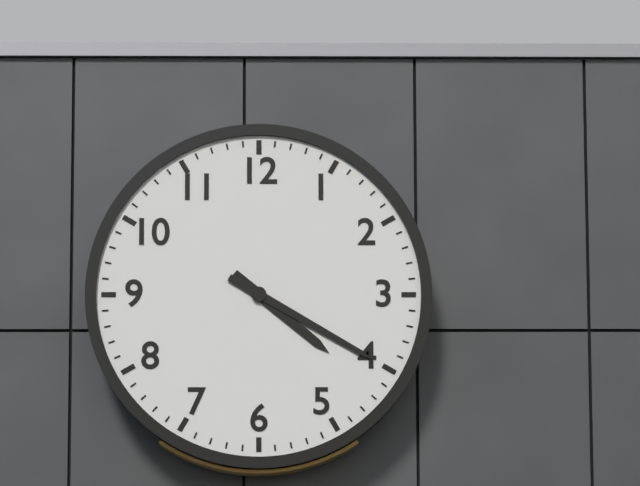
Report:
4h20
